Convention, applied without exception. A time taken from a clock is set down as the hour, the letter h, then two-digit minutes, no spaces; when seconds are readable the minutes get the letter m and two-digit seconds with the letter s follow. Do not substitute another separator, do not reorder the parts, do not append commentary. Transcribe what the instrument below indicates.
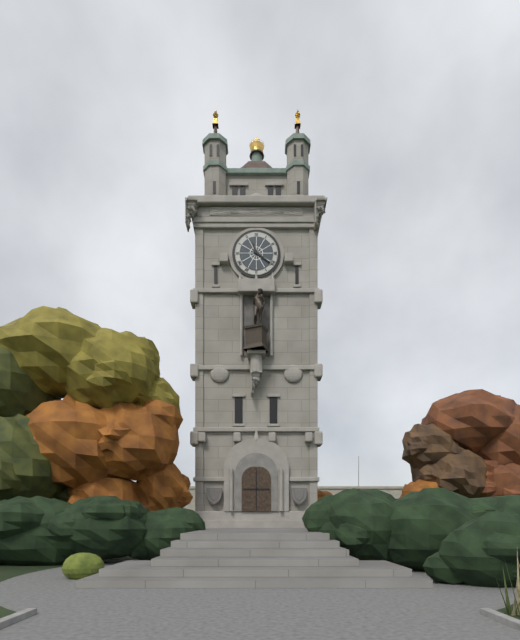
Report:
11h21
